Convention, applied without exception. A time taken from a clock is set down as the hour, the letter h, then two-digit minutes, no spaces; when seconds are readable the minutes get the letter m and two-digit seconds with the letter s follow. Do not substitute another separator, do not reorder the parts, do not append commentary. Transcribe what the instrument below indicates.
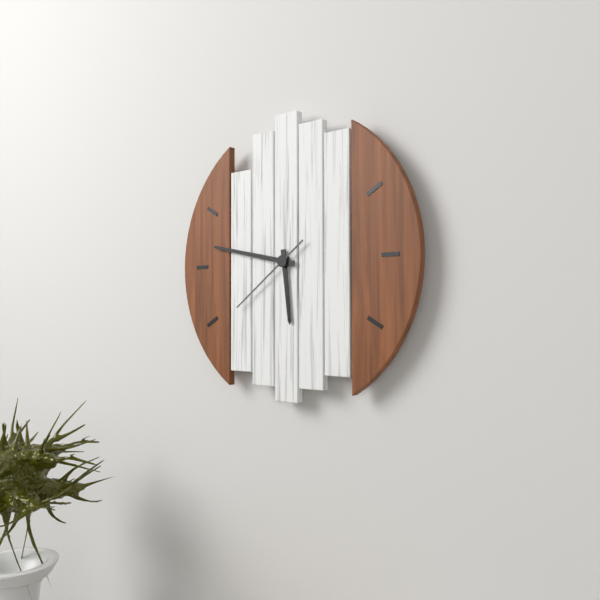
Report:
5h47m39s
